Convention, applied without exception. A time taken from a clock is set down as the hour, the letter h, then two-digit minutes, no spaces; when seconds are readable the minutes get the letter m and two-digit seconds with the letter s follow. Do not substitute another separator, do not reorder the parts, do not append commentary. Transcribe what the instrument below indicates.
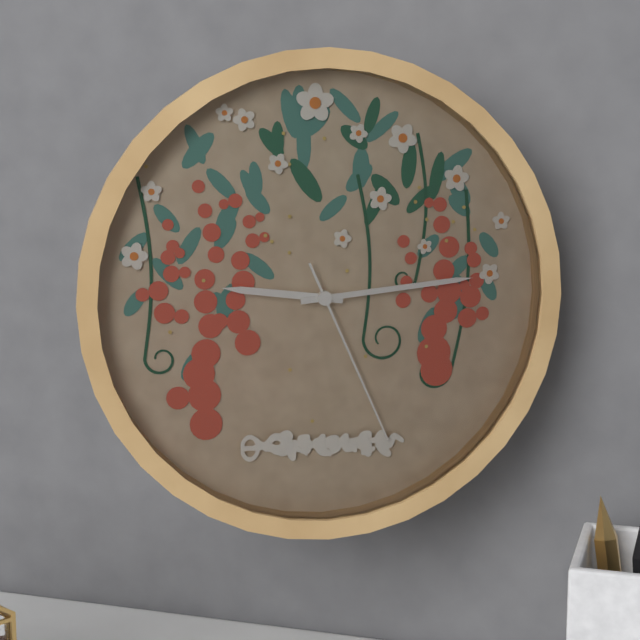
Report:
9h14m26s
